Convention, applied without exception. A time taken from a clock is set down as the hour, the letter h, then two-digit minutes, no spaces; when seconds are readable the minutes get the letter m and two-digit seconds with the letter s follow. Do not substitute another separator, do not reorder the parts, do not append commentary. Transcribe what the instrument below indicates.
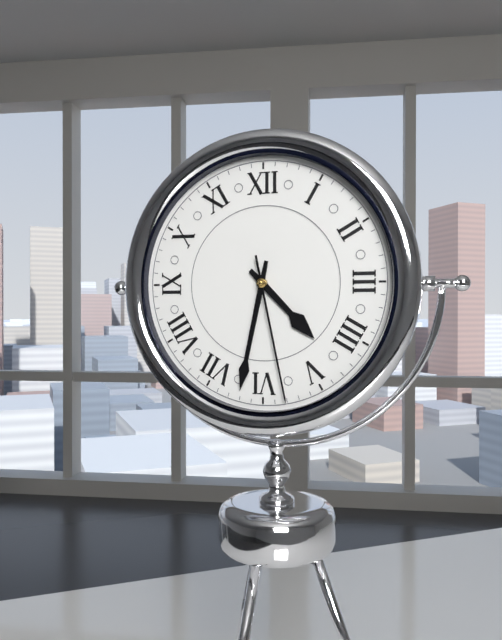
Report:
4h32m28s
